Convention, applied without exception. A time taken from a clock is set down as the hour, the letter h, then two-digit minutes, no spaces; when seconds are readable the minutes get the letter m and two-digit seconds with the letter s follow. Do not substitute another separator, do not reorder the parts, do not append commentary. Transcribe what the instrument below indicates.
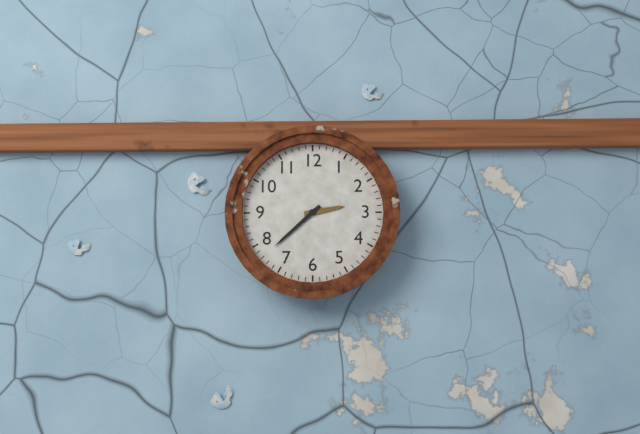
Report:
2h38
